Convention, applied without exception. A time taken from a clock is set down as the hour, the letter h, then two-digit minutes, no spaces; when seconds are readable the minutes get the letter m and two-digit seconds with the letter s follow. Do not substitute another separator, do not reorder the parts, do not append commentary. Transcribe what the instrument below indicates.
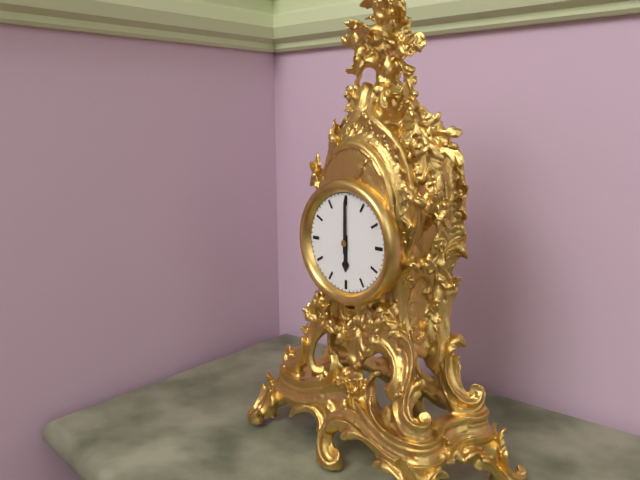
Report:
6h00
